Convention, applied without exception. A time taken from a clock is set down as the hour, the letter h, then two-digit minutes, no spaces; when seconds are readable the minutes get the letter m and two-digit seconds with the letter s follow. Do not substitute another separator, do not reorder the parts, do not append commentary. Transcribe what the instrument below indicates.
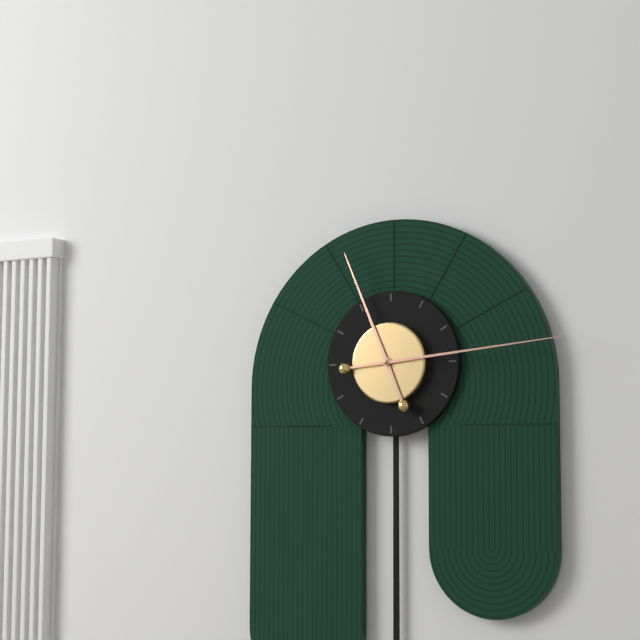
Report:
11h14
